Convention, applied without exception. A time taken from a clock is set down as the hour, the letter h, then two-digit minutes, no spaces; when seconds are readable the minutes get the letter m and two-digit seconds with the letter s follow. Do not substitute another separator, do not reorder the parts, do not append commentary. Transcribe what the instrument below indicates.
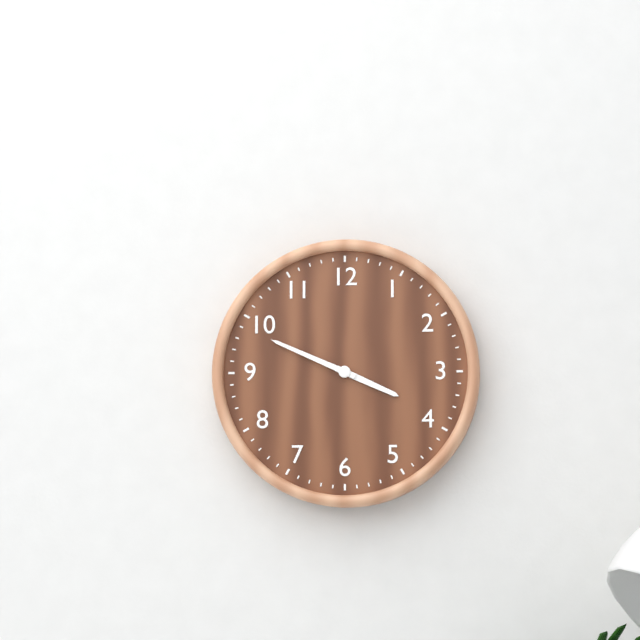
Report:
3h49
